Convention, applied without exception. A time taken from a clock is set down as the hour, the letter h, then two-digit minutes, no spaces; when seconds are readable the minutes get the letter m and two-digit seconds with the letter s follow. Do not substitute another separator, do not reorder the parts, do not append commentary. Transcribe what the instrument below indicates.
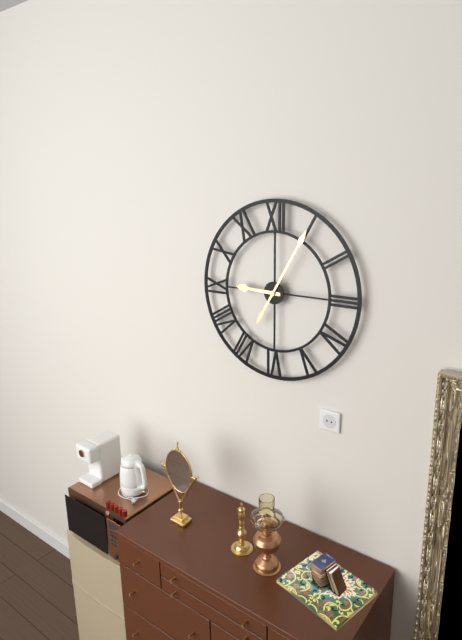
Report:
9h05
